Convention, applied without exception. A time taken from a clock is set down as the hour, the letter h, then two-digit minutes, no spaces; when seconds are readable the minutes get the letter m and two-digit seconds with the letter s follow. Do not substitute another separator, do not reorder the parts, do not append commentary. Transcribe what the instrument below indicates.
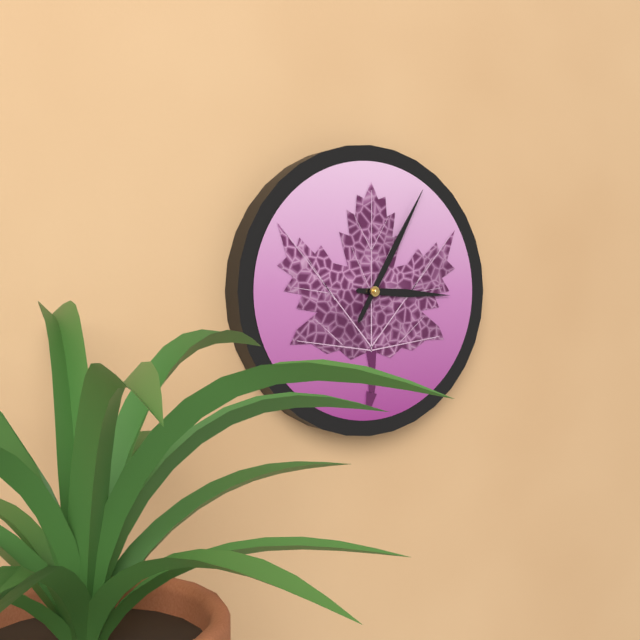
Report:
3h05
